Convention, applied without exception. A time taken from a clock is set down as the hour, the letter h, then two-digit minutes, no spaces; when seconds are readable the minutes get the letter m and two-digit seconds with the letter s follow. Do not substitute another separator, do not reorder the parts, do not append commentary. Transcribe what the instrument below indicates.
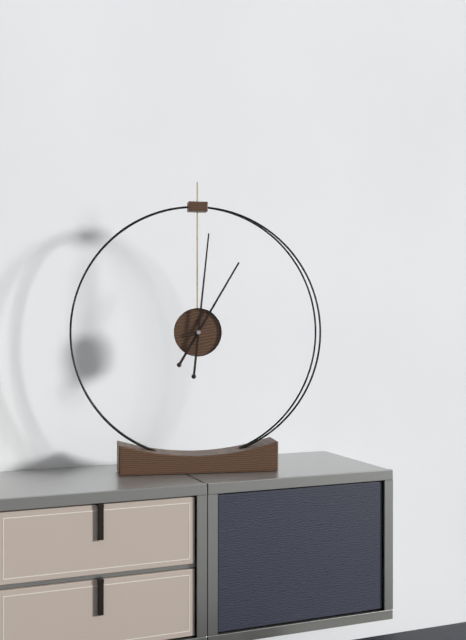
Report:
1h01
